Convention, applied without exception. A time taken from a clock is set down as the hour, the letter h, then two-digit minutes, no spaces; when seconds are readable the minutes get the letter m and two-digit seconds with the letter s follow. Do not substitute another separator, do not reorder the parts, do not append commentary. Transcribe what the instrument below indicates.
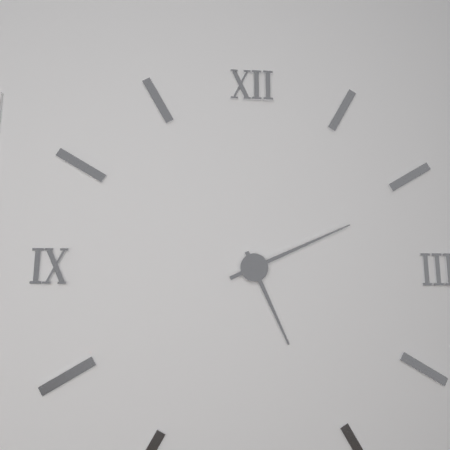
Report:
5h11
